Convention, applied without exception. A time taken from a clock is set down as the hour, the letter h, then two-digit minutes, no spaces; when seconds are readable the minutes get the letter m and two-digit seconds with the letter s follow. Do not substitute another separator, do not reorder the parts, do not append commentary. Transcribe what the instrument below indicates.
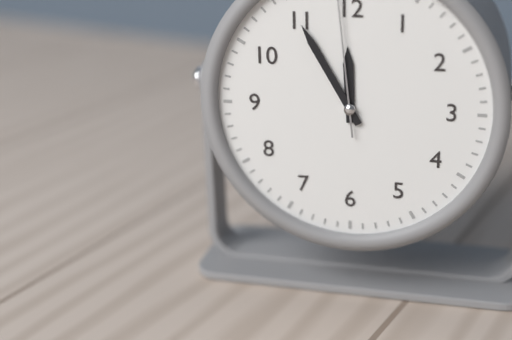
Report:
11h55
